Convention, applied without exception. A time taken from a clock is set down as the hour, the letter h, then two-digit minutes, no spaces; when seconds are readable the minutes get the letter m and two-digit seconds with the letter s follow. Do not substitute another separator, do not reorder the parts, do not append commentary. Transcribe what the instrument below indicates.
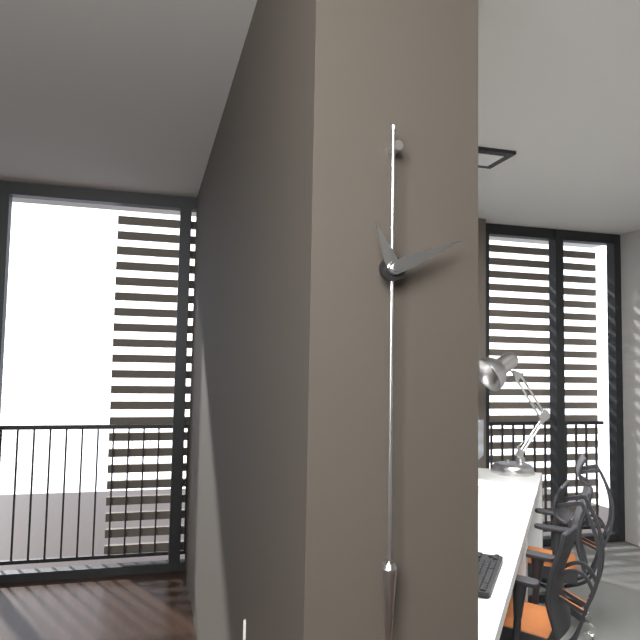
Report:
11h11
